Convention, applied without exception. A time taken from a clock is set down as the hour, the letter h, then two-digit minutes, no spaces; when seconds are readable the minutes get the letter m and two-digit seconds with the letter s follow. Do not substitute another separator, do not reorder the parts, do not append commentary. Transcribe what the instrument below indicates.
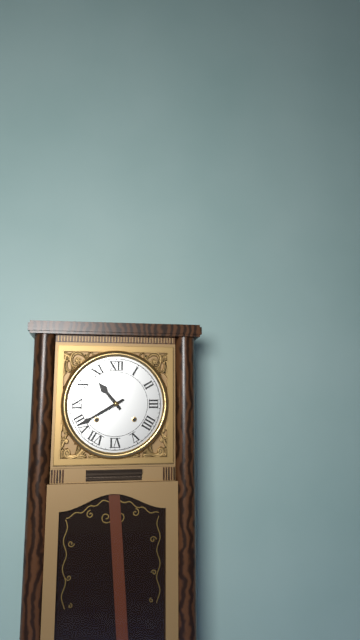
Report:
10h40
